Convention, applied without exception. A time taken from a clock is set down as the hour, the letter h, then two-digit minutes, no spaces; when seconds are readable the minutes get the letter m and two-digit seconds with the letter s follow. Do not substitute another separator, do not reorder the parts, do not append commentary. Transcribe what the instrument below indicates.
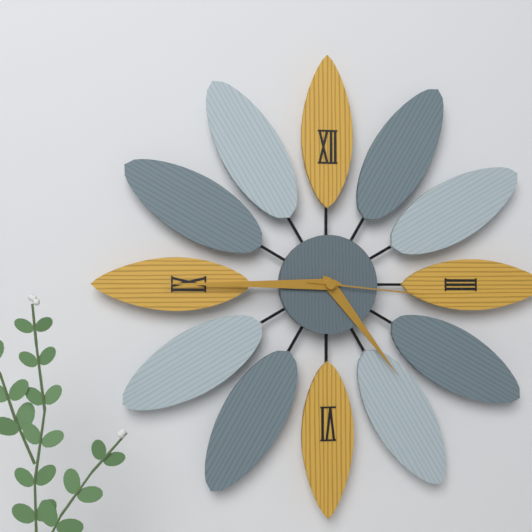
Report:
4h45m16s
